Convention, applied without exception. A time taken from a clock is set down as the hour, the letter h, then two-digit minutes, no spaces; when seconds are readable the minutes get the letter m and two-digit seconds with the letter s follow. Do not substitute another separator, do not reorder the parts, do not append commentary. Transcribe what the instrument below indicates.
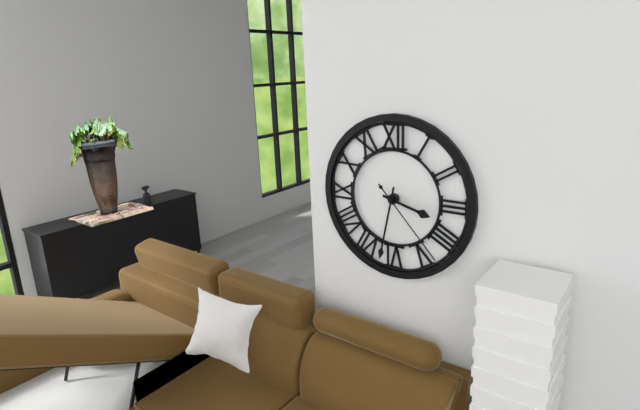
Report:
3h32m23s
